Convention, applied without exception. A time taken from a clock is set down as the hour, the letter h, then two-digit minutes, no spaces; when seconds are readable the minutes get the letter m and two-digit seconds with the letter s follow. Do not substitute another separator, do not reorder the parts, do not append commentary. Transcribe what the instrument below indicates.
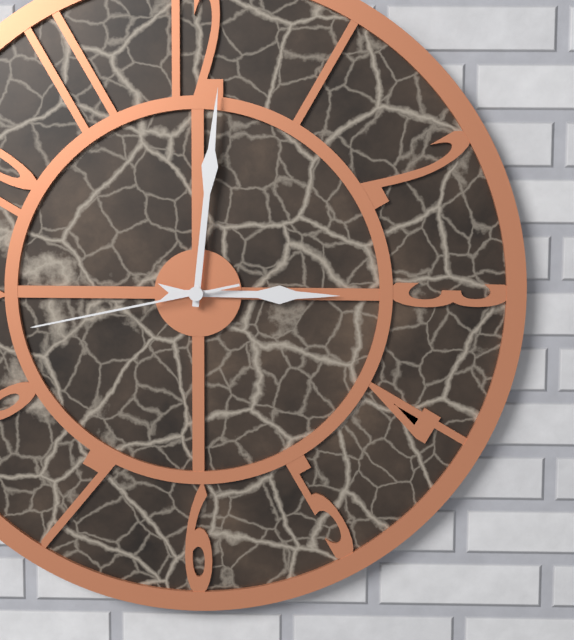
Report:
3h01m43s
